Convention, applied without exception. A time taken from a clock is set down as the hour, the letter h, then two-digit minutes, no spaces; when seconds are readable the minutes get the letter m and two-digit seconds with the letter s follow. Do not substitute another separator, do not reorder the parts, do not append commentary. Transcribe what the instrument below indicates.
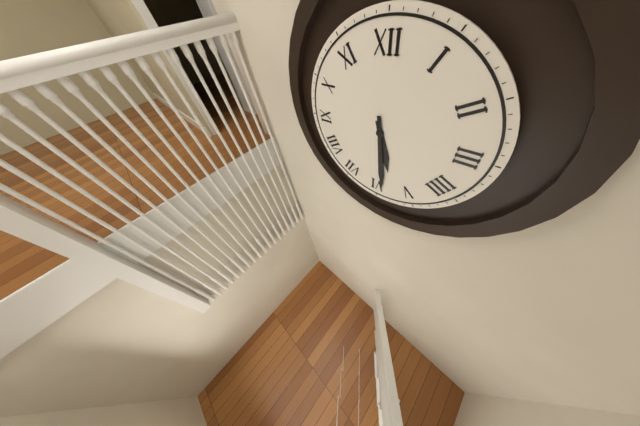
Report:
5h29
